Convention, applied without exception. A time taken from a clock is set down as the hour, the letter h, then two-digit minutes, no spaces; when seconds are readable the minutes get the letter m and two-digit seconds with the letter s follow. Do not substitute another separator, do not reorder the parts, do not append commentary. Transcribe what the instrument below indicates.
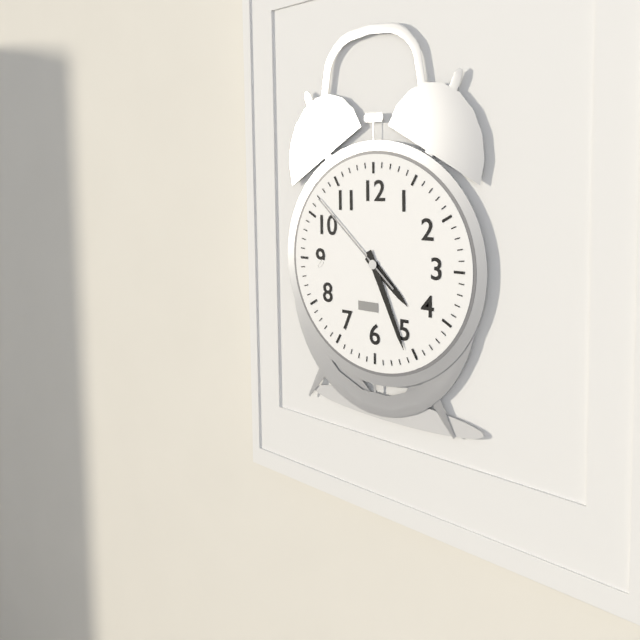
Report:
4h26m52s
